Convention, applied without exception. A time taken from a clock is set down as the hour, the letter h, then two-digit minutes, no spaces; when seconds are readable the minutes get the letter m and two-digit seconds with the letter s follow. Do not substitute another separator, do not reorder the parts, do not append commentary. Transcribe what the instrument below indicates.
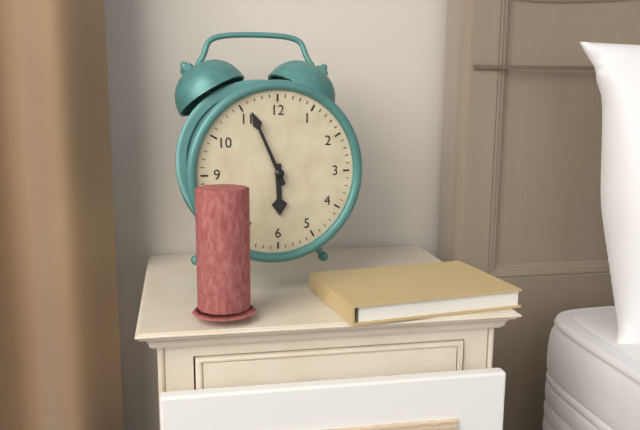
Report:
5h56
